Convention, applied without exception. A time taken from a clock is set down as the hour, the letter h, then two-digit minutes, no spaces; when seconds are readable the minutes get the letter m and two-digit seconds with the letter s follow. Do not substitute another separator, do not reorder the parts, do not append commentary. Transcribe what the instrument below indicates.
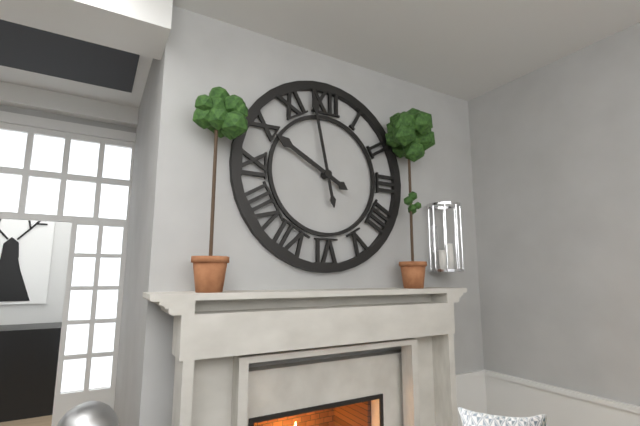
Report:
9h58
